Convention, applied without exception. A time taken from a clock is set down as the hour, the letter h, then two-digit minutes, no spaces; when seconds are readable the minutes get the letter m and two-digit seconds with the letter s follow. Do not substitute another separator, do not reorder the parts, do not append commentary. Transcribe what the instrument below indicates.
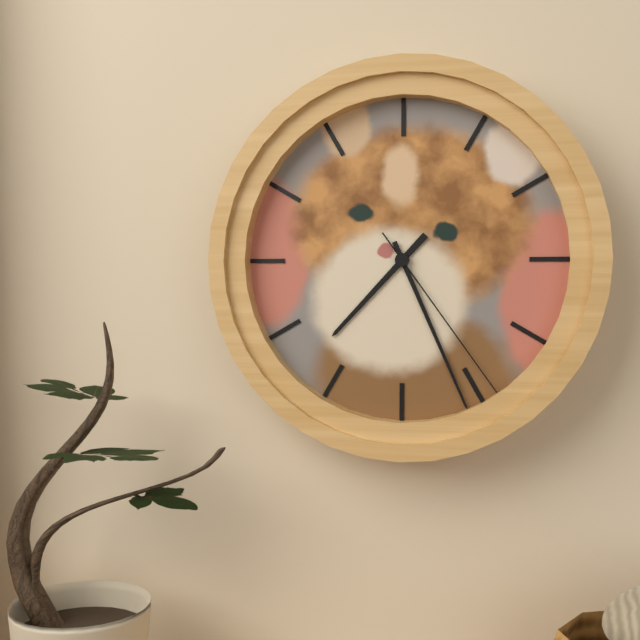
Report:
7h26m24s
